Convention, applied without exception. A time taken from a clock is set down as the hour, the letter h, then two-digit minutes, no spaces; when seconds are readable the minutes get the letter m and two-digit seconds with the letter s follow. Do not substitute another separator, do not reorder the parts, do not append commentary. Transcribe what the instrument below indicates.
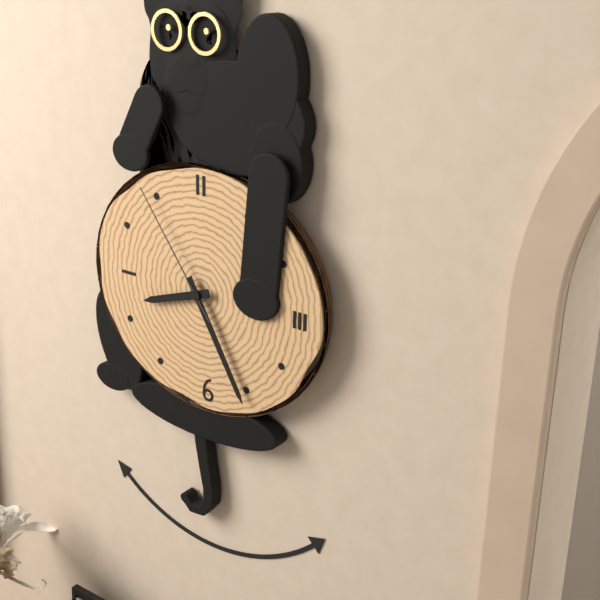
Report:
8h25m54s
